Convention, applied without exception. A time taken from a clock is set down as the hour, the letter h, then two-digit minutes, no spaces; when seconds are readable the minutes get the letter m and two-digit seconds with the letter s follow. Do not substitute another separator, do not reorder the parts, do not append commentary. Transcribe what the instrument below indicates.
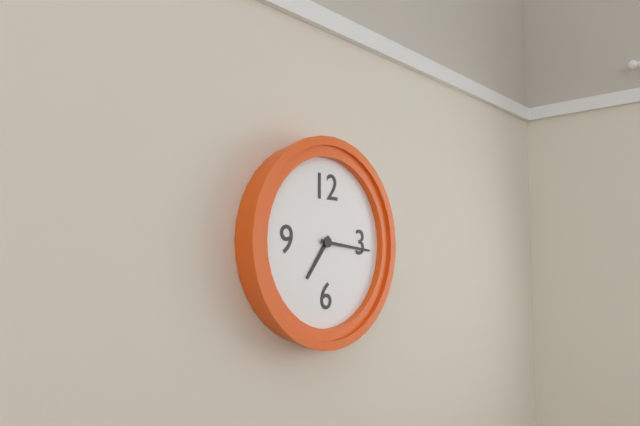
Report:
7h16
